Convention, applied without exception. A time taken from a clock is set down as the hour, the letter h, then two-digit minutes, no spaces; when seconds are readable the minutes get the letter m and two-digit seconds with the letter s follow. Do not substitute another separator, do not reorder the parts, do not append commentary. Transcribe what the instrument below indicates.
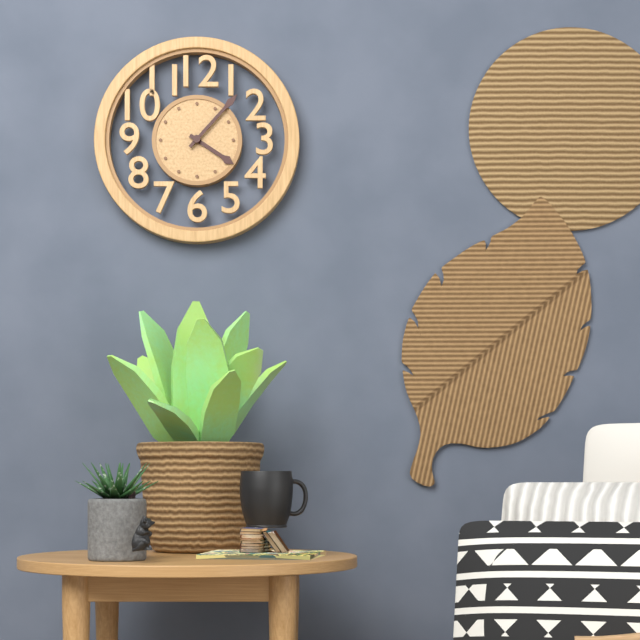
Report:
4h07
